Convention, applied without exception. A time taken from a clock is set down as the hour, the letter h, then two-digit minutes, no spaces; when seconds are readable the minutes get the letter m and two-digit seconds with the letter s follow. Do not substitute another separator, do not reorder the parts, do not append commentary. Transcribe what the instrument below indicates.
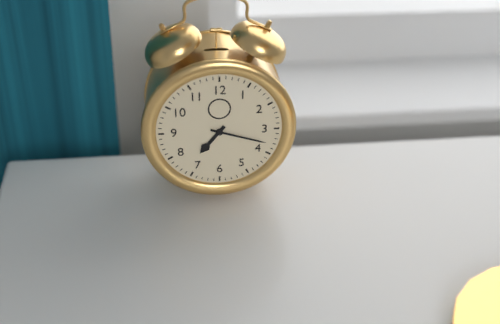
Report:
7h18
